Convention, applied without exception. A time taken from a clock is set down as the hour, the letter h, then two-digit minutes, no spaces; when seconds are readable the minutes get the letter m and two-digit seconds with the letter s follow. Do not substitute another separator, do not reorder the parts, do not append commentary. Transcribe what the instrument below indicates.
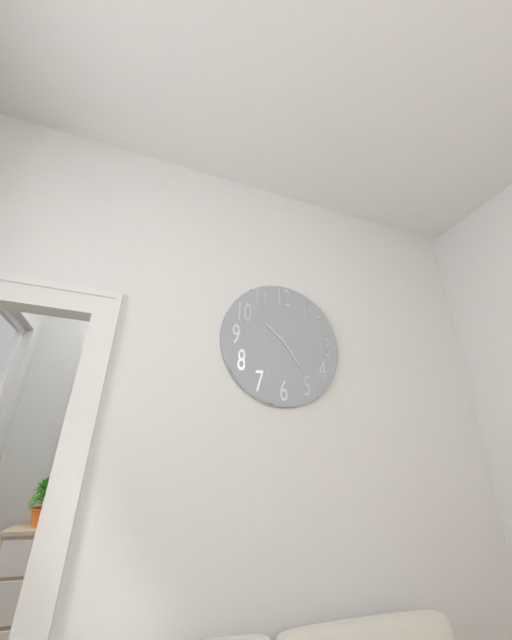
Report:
10h24
